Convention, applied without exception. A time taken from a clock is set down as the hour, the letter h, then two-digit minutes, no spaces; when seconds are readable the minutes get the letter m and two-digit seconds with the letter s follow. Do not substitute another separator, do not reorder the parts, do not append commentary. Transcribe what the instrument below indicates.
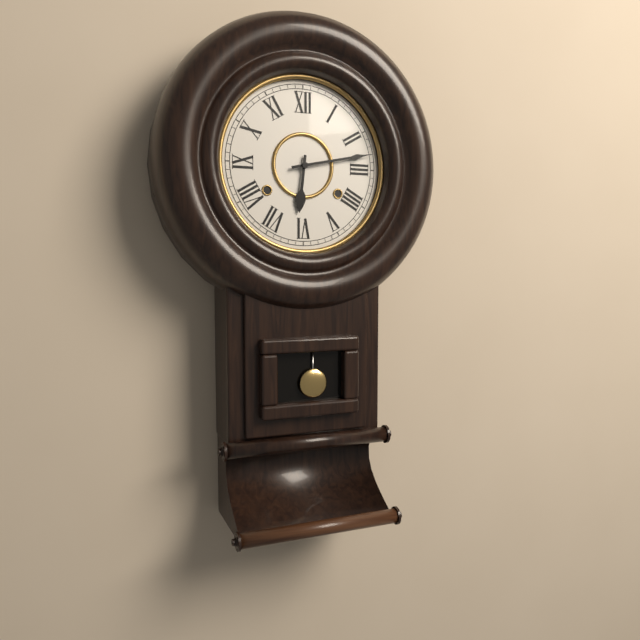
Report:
6h13
